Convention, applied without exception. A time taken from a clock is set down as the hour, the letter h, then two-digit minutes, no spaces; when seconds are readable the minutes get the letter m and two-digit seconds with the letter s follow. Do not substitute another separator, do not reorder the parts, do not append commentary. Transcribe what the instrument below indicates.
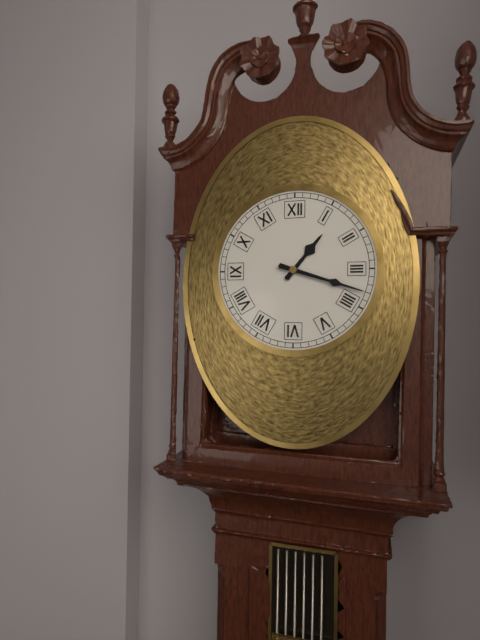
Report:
1h18
